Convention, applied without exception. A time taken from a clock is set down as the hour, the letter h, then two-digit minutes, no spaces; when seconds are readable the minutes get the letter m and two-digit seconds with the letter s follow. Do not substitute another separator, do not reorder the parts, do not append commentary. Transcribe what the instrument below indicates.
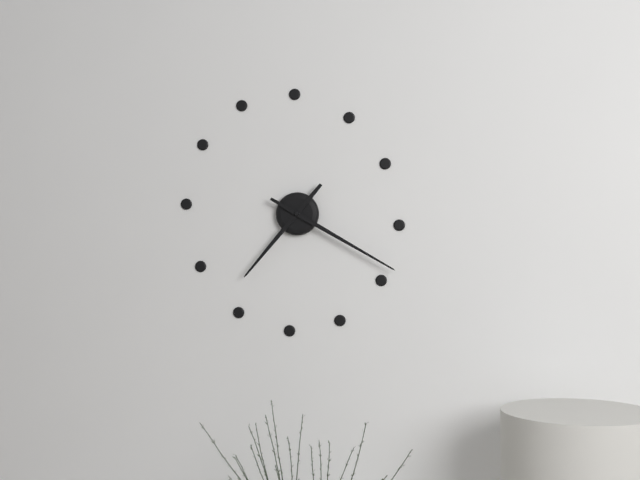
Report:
7h20
